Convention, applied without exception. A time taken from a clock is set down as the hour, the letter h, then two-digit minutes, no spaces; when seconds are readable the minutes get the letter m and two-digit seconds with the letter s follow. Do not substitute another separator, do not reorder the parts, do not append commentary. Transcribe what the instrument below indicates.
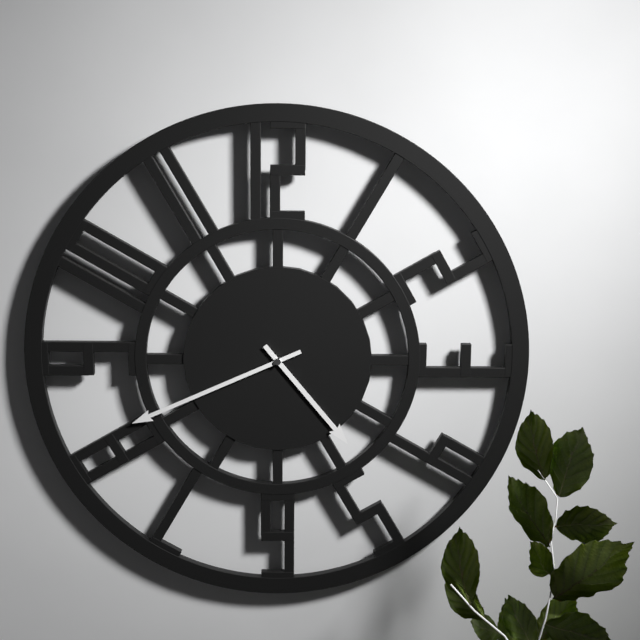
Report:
4h41
